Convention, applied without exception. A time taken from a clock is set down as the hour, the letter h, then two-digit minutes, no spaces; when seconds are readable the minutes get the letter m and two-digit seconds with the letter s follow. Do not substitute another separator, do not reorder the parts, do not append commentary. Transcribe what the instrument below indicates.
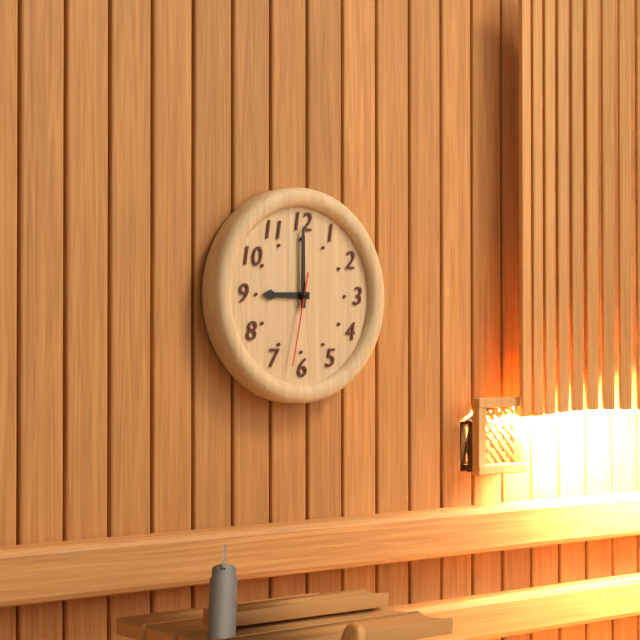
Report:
9h00m32s
